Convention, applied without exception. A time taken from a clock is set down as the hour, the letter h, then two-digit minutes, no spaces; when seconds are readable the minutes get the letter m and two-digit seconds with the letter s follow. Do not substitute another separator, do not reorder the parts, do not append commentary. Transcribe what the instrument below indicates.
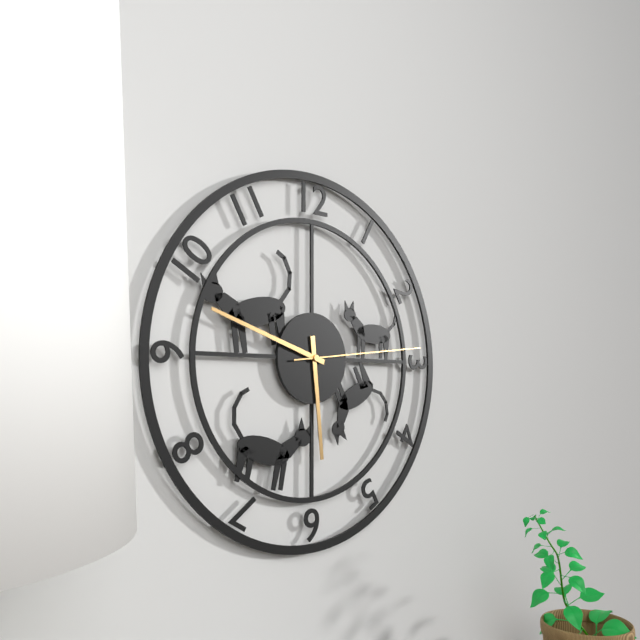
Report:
5h48m14s
